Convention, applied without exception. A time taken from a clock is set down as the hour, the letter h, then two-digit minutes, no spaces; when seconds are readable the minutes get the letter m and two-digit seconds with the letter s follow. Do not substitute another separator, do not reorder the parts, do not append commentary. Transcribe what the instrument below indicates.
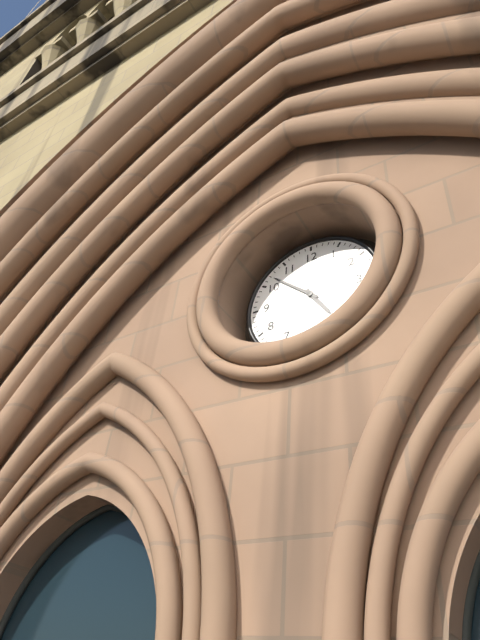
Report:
4h52
